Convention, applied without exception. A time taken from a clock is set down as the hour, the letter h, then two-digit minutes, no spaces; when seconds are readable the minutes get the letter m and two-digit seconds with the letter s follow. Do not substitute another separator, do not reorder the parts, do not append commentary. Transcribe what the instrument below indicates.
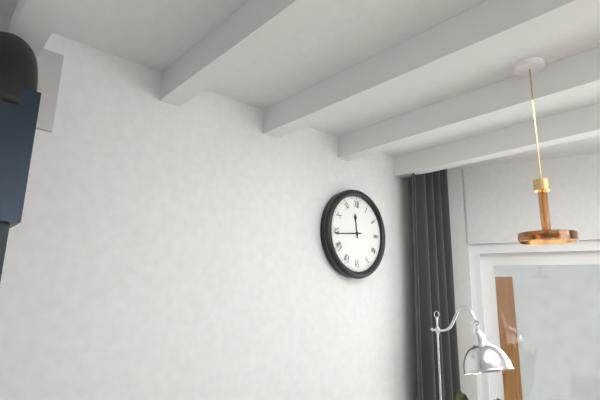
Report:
11h44
